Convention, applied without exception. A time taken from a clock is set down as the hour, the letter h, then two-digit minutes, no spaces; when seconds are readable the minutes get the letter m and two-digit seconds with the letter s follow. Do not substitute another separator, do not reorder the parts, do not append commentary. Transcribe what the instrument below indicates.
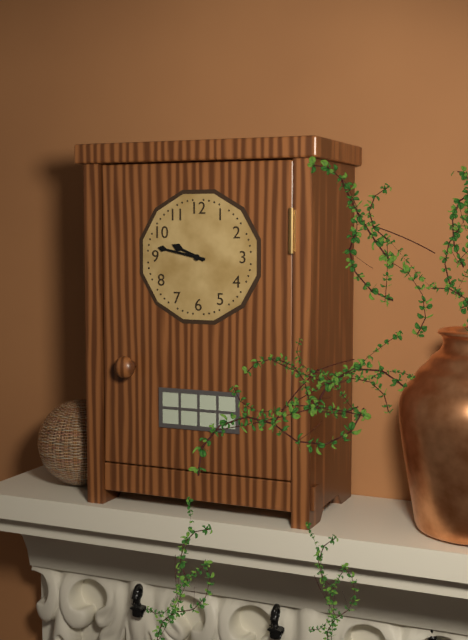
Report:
9h47
